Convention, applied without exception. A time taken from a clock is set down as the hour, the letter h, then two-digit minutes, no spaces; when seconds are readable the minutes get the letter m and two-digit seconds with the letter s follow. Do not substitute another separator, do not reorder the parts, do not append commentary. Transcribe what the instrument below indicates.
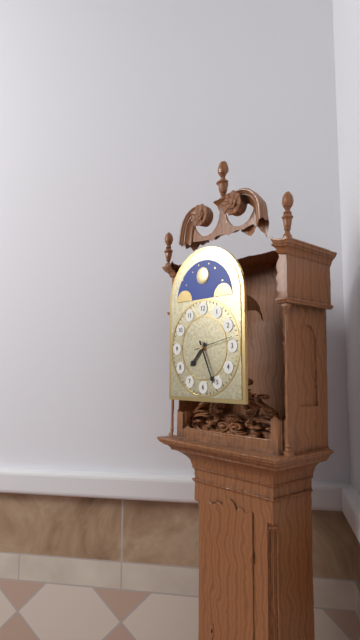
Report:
7h26
